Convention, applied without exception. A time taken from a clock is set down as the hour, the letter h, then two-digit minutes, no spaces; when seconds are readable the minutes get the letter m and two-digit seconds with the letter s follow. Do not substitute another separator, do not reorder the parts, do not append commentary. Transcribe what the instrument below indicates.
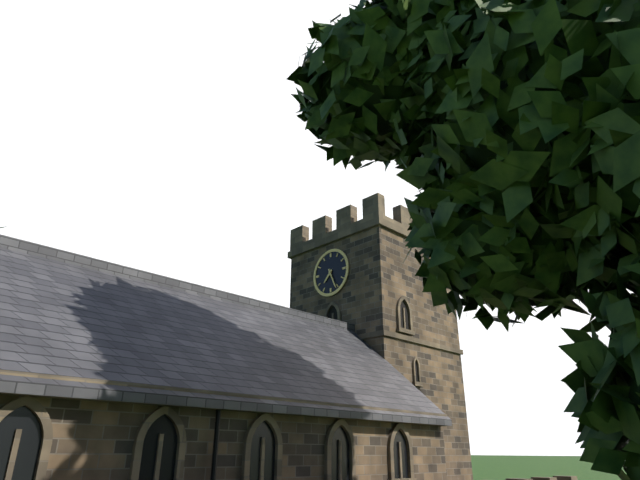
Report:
7h26
